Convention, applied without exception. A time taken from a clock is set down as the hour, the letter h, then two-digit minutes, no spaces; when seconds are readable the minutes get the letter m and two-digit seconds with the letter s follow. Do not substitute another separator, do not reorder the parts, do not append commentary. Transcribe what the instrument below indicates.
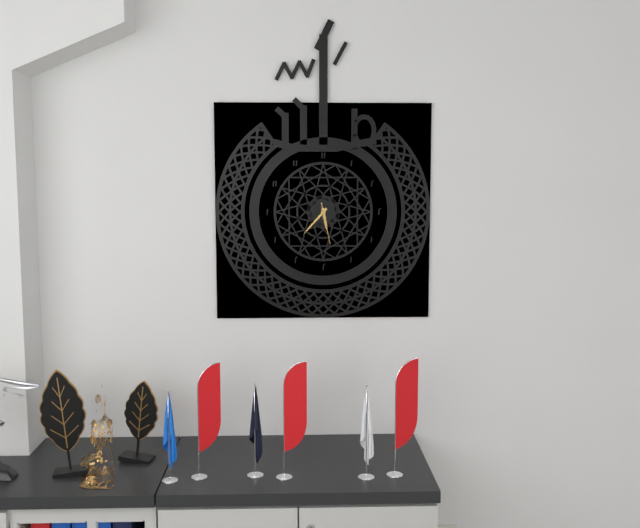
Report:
5h37
